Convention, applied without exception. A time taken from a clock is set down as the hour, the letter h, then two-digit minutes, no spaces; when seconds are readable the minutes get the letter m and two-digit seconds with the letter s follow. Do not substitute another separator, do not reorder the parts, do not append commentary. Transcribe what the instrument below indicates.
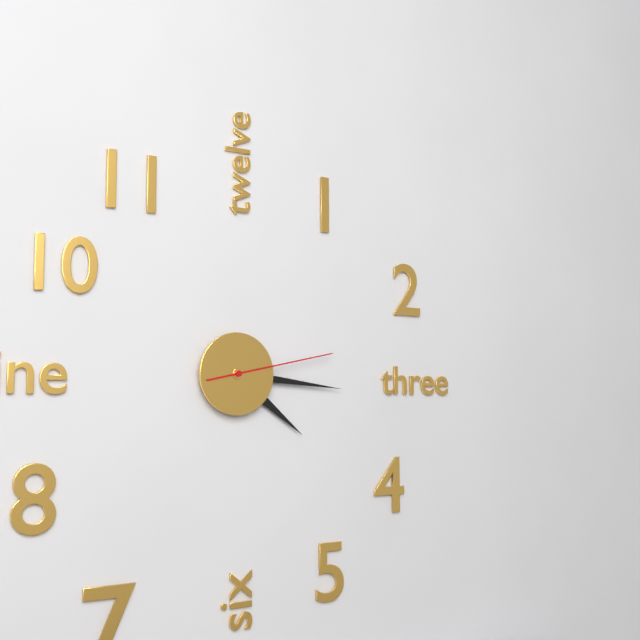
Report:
4h16m13s
